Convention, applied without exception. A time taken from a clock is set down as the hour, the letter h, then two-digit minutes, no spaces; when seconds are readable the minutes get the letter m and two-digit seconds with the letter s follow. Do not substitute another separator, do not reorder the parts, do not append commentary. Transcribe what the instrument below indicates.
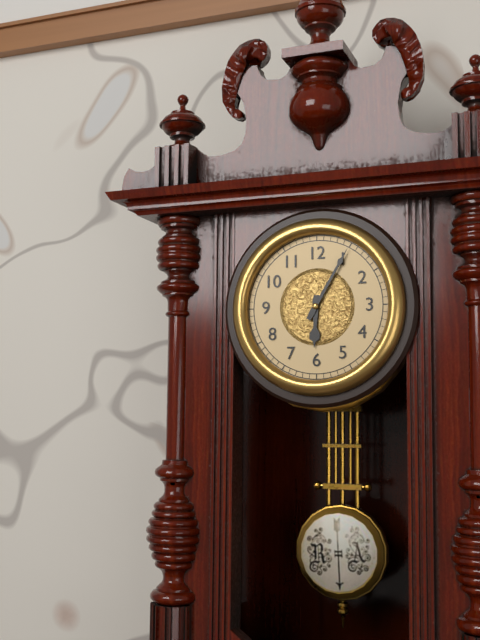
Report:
6h05
